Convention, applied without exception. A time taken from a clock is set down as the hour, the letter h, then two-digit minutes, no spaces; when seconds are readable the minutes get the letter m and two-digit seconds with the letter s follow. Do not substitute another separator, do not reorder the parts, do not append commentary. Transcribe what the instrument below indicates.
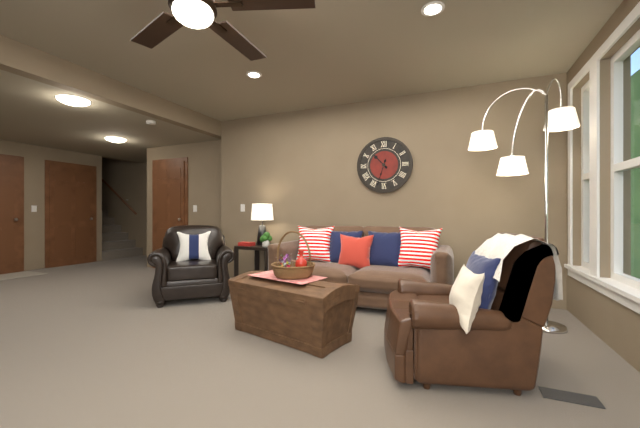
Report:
10h33
